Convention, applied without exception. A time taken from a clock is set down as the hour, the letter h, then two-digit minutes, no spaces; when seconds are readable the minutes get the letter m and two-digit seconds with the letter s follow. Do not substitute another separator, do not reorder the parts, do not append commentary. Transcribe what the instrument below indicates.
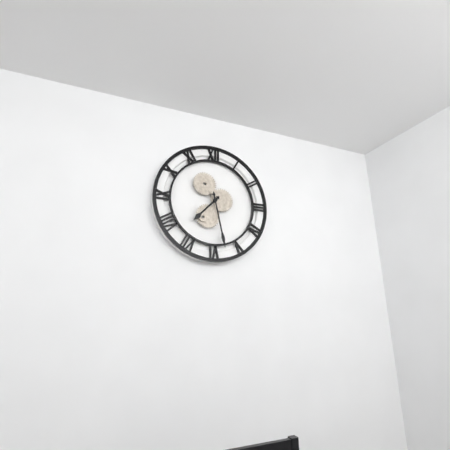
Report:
7h28
